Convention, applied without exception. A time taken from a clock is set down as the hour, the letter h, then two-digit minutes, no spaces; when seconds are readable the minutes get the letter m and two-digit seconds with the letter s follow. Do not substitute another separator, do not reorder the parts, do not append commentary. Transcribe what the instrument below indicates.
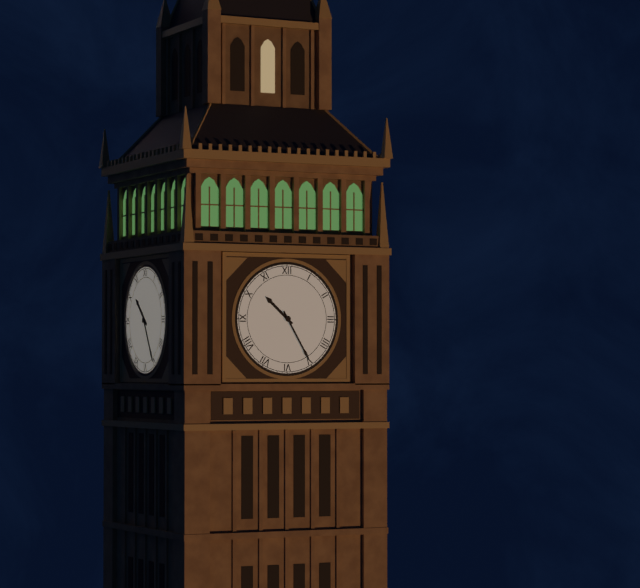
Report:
10h25
